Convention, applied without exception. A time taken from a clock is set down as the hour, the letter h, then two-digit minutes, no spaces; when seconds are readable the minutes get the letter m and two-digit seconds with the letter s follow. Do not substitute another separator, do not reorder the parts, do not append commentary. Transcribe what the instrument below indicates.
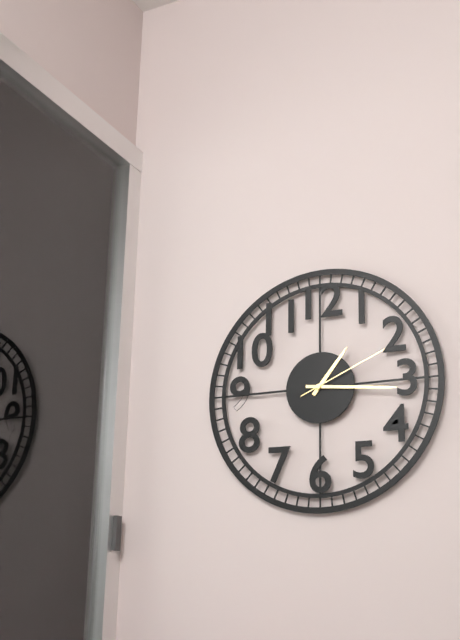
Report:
1h16m11s
